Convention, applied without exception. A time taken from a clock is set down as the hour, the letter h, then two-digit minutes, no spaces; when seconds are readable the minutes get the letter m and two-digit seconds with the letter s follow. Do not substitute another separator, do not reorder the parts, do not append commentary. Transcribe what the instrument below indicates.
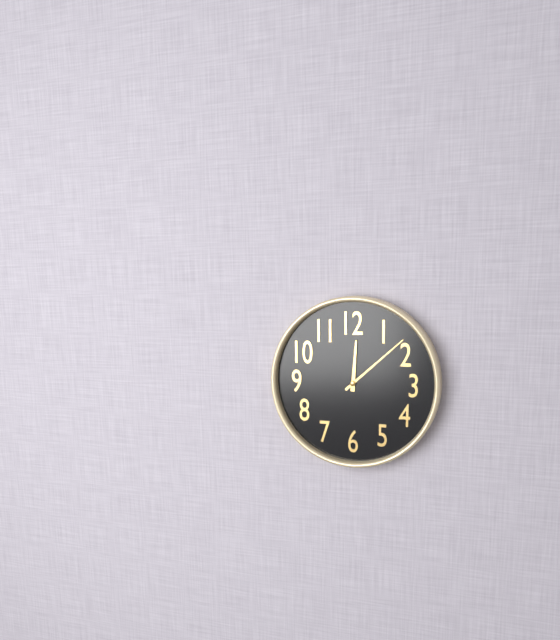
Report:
12h08
